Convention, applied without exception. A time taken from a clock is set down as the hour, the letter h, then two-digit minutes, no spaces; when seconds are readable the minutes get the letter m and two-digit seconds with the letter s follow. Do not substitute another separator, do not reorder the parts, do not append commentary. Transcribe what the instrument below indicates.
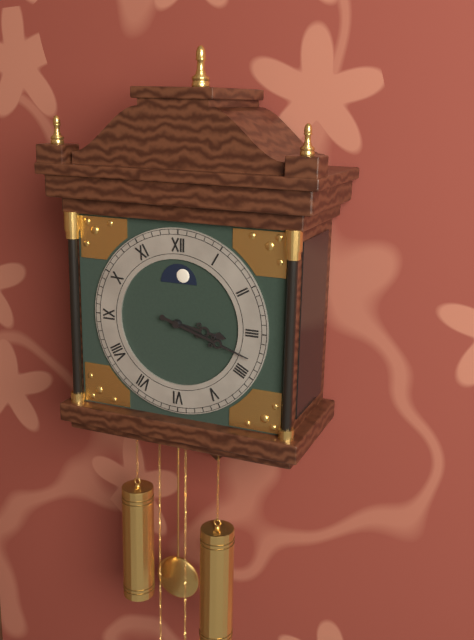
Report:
3h18
